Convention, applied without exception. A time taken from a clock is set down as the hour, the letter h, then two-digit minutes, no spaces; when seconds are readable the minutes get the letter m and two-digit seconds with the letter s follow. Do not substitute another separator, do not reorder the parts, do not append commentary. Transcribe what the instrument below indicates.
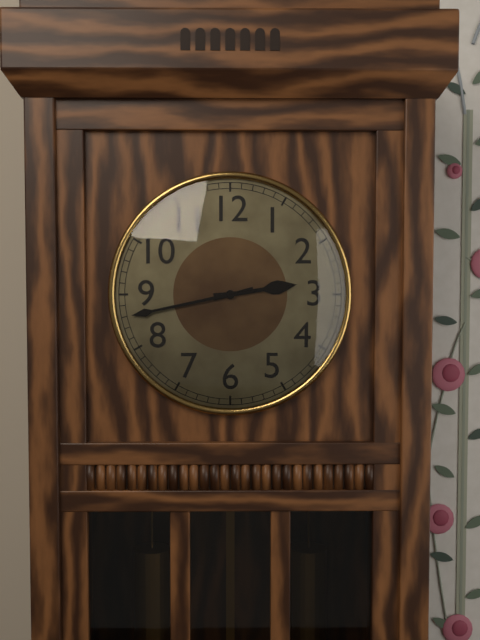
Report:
2h43
